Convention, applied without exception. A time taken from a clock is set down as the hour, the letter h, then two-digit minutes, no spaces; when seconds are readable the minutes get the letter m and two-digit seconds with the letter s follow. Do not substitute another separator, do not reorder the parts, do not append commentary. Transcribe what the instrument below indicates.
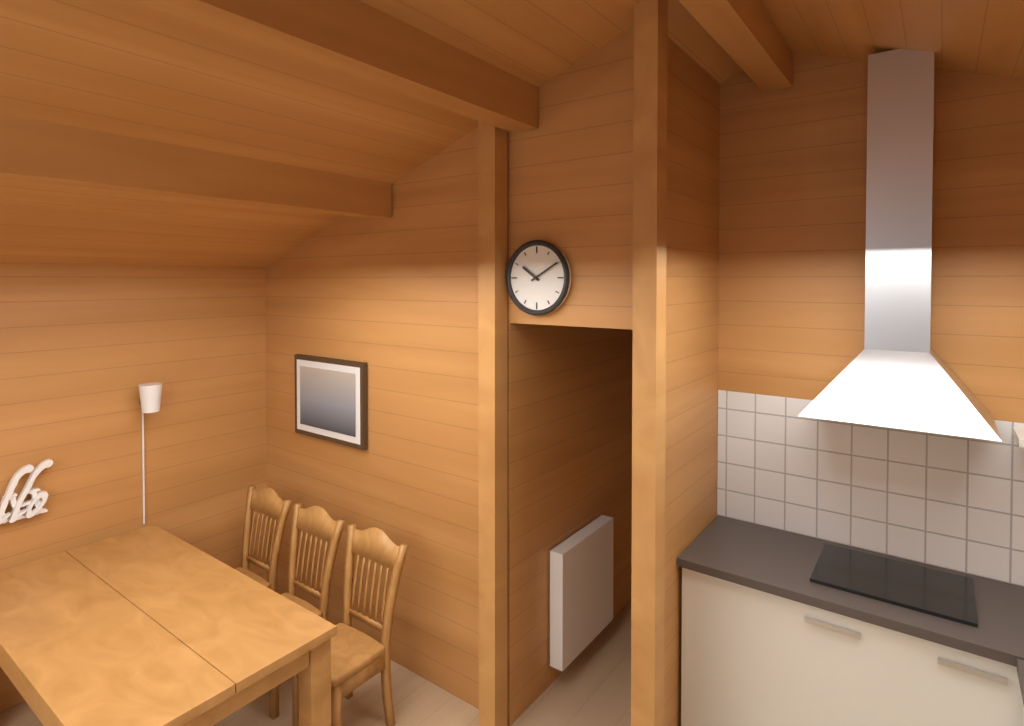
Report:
10h10
